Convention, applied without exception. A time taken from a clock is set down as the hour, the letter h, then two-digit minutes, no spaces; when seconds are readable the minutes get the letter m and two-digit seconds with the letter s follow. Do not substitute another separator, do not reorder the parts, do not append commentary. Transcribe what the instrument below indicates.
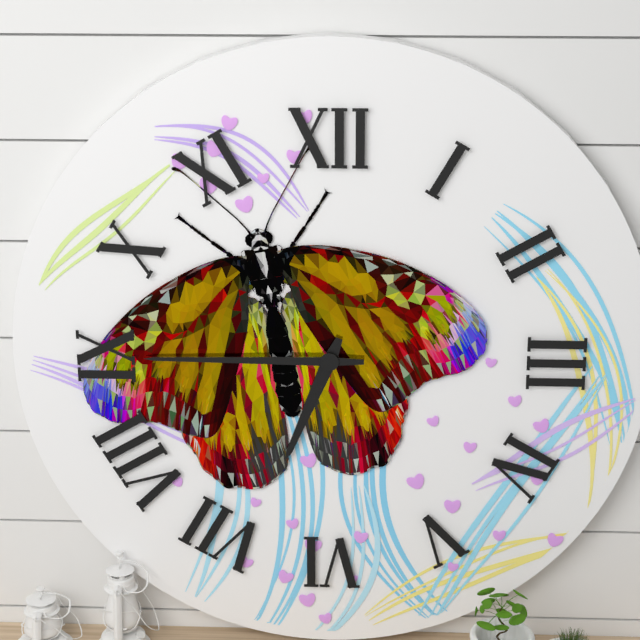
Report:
6h45
